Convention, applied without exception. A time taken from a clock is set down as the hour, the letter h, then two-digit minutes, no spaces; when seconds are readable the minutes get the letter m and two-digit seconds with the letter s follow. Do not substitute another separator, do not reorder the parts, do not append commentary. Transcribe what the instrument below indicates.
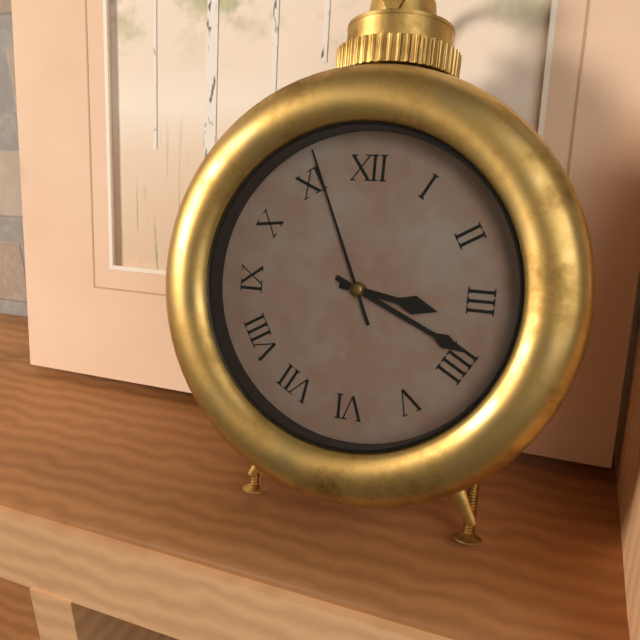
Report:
3h19m56s
